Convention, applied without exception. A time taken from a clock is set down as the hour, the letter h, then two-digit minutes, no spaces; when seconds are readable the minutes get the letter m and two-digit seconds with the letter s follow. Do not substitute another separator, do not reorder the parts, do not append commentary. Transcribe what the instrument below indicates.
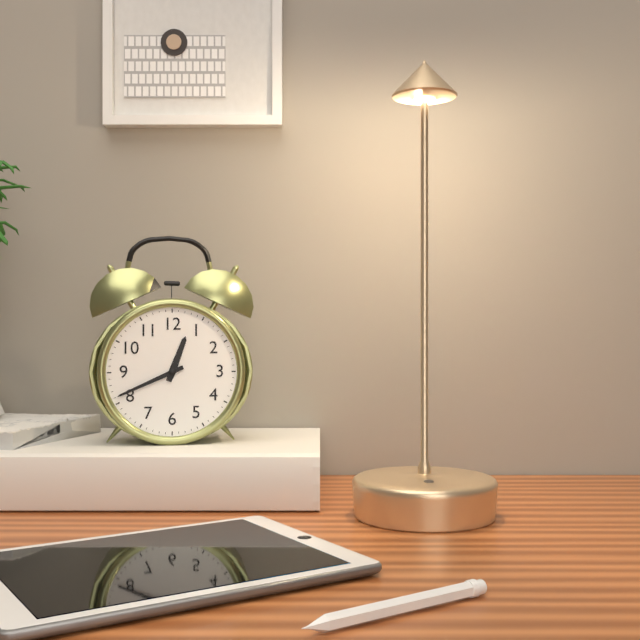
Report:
12h41
